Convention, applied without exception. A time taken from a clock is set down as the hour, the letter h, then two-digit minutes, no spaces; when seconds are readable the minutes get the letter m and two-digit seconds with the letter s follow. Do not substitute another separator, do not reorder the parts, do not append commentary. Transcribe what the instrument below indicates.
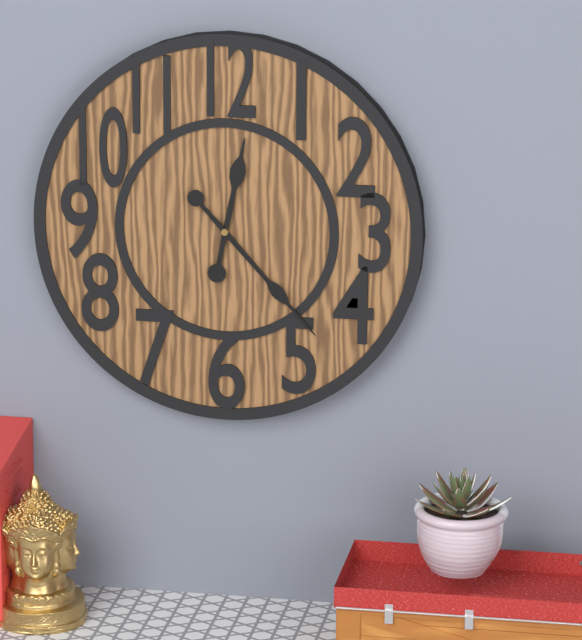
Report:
12h23
